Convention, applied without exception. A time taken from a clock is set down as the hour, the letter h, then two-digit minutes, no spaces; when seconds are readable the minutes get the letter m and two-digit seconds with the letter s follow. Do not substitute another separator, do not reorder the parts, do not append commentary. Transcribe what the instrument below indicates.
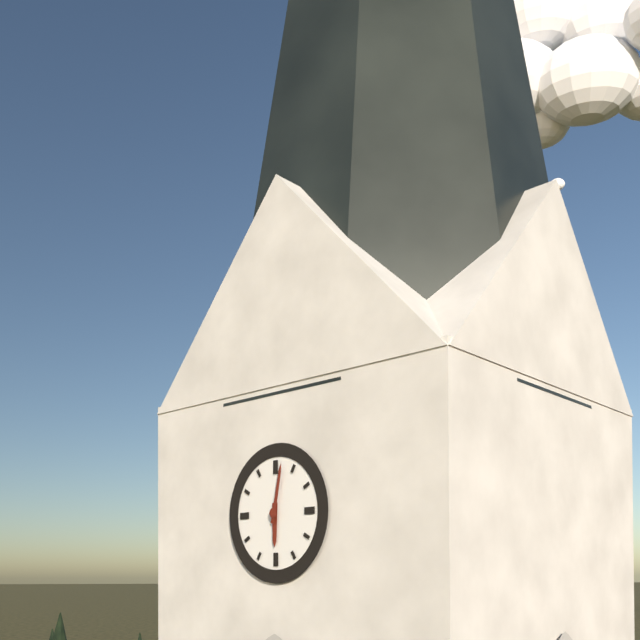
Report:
6h02
